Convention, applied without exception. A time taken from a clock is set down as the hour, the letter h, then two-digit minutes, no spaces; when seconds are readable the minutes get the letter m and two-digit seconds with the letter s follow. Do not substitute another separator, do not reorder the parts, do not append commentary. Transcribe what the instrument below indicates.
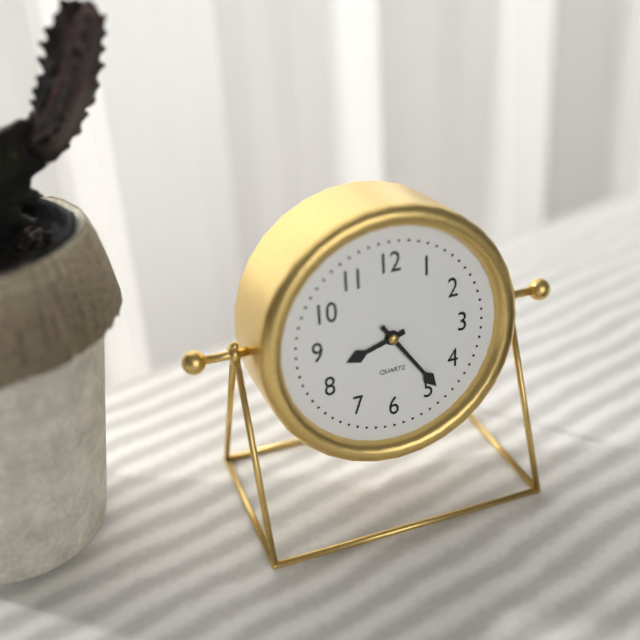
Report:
8h24
